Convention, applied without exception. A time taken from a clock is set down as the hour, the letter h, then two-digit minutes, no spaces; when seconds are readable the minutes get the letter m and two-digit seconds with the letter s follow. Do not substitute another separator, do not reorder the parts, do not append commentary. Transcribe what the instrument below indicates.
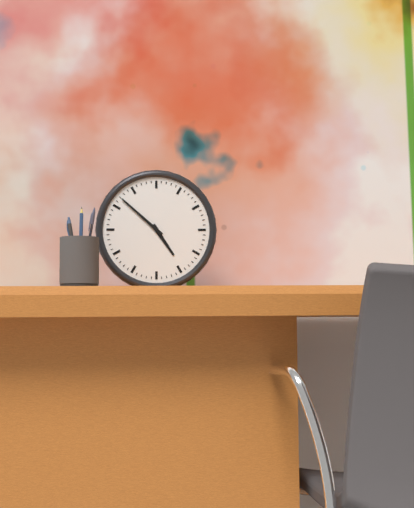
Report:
4h52
